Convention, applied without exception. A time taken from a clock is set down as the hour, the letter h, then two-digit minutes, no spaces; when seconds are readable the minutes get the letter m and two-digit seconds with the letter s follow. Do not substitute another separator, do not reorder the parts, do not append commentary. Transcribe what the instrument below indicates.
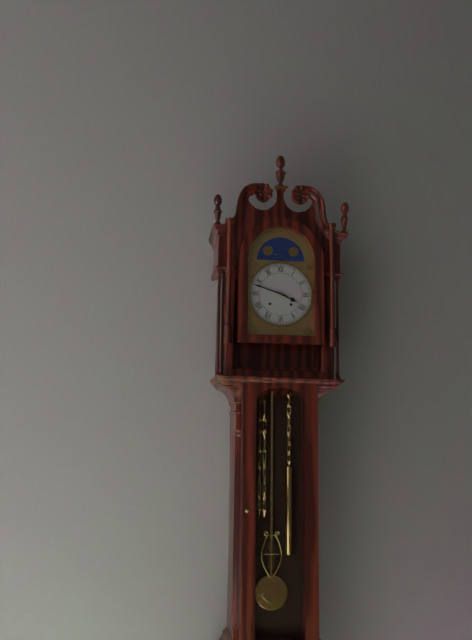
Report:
3h48
